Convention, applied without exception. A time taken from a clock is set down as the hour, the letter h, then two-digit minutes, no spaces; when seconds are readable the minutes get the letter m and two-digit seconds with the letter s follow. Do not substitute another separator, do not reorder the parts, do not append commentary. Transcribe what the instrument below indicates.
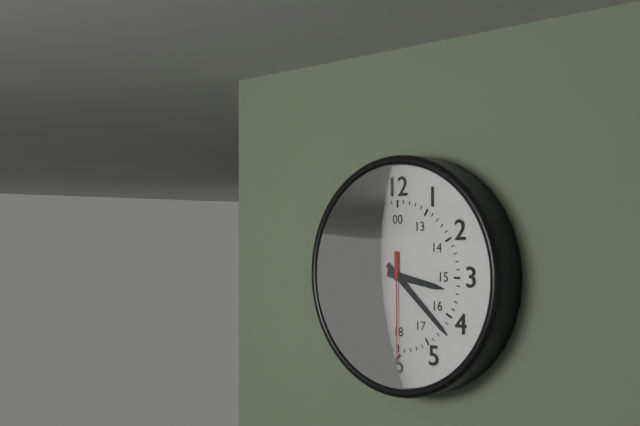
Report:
3h22m30s
